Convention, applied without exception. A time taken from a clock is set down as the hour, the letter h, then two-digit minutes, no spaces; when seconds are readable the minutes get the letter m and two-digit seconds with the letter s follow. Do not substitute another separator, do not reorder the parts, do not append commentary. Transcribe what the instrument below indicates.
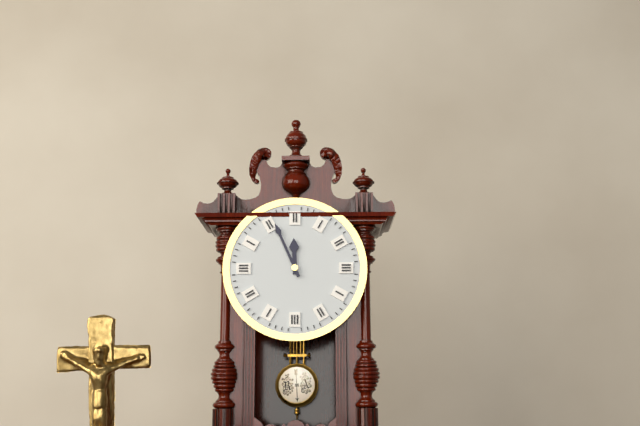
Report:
11h56
